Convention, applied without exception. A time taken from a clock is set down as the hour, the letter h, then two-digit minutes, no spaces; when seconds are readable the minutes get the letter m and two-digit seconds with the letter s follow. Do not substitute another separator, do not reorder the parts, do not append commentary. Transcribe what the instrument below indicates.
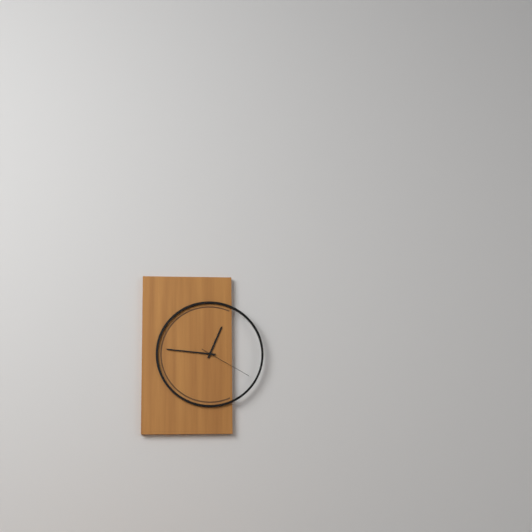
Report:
12h46m20s
